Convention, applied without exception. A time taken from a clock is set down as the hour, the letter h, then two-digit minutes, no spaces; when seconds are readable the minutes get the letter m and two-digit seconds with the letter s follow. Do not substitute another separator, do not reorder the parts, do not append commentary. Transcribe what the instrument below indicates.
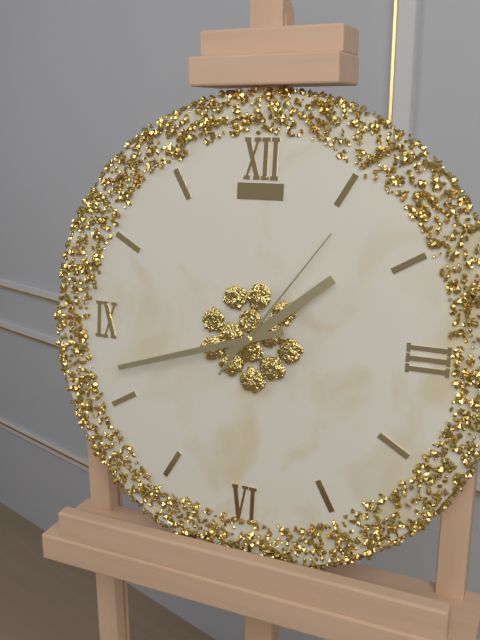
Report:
1h42m06s
